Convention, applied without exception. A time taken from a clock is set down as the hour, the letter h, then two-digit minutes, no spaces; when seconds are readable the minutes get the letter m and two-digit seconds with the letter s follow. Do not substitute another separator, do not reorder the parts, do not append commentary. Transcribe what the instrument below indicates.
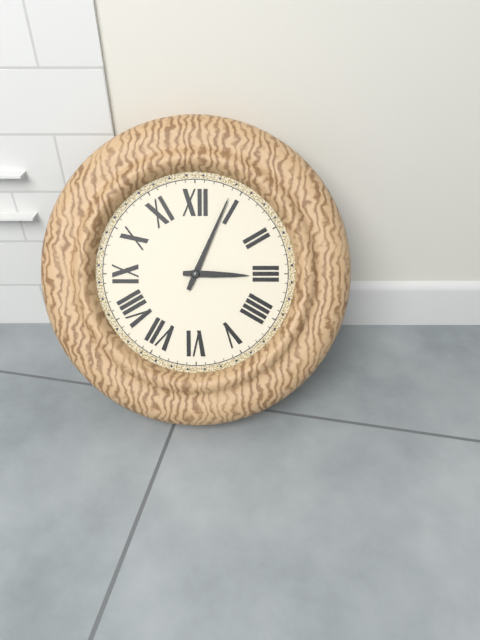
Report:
3h04
